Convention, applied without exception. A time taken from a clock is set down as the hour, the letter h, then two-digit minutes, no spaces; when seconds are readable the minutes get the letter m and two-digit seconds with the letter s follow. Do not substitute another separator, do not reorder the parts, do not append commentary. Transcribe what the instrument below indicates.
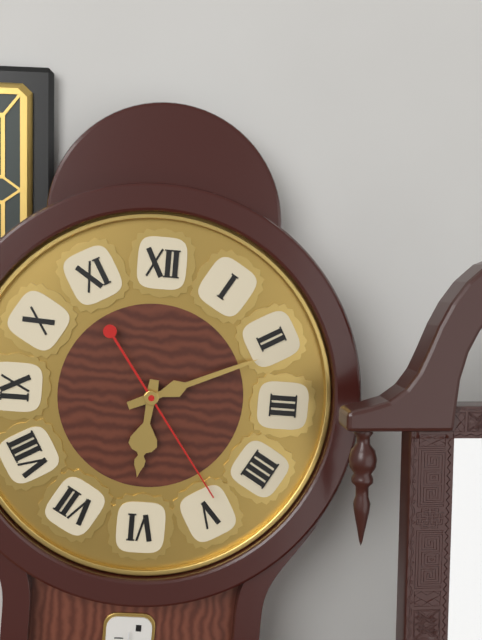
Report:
6h11m24s
